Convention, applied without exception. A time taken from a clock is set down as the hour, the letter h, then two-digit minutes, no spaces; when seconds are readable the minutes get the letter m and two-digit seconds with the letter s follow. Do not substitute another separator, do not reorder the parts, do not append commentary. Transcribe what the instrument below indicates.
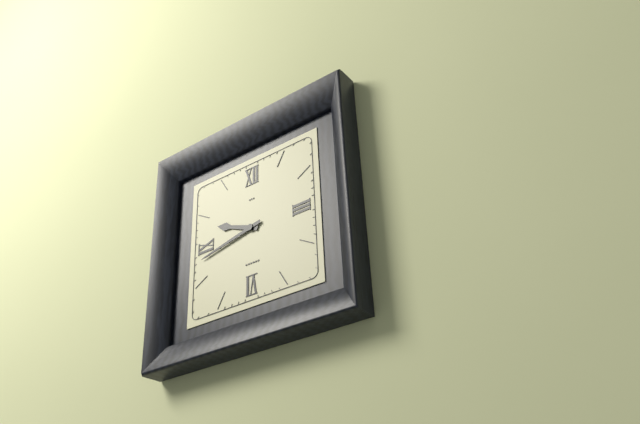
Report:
9h43
